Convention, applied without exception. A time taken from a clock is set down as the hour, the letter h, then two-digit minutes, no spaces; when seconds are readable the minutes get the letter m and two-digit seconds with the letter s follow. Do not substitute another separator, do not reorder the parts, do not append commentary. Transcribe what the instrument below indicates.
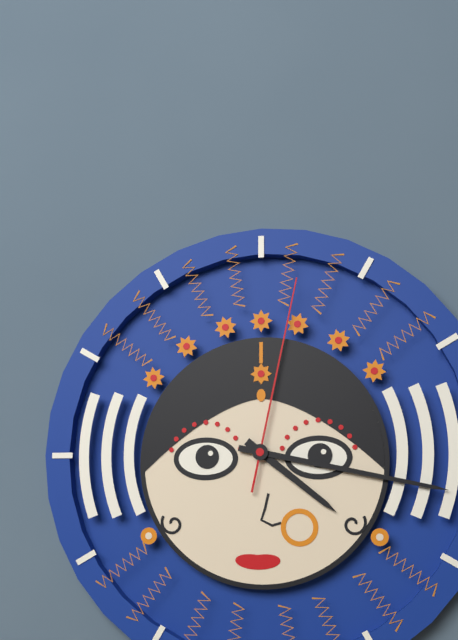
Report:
4h17m02s
